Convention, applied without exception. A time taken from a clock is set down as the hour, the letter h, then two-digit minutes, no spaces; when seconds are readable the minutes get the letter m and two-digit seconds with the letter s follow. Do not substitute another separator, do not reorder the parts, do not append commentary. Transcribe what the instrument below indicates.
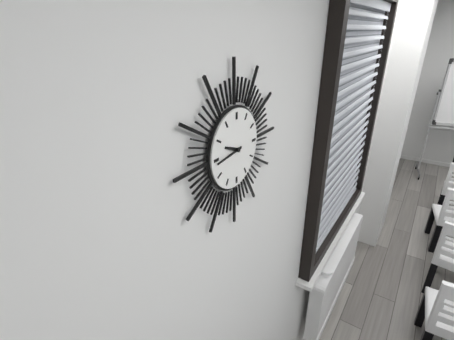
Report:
9h44
